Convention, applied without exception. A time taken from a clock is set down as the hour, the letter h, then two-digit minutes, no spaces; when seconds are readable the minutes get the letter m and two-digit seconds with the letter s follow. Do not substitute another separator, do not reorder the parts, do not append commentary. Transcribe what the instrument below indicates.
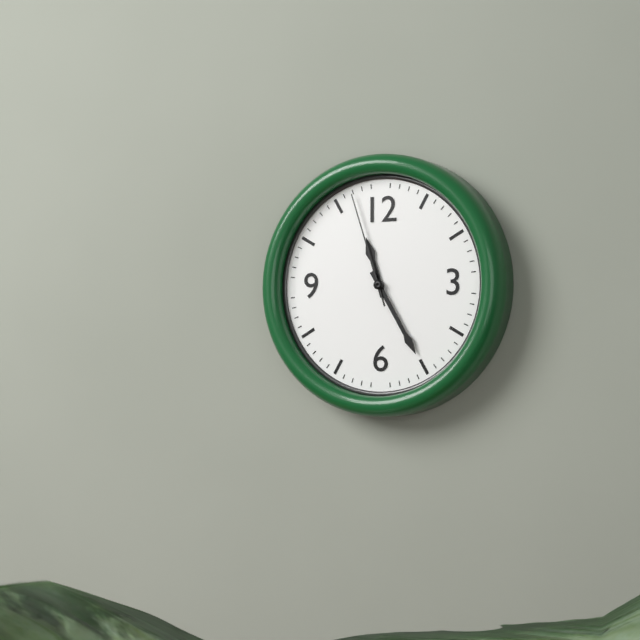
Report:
11h25m57s
